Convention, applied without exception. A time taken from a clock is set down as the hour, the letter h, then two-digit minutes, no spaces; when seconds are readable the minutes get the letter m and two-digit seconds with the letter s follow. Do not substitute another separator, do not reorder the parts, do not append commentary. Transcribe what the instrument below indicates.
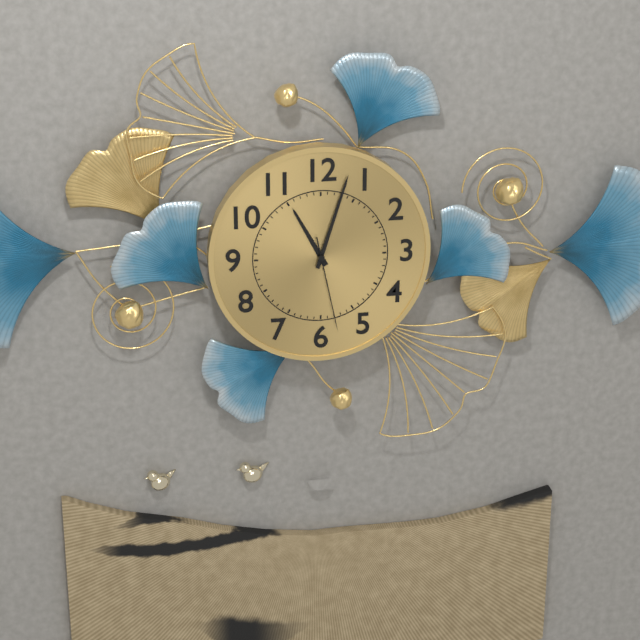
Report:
11h03m28s
